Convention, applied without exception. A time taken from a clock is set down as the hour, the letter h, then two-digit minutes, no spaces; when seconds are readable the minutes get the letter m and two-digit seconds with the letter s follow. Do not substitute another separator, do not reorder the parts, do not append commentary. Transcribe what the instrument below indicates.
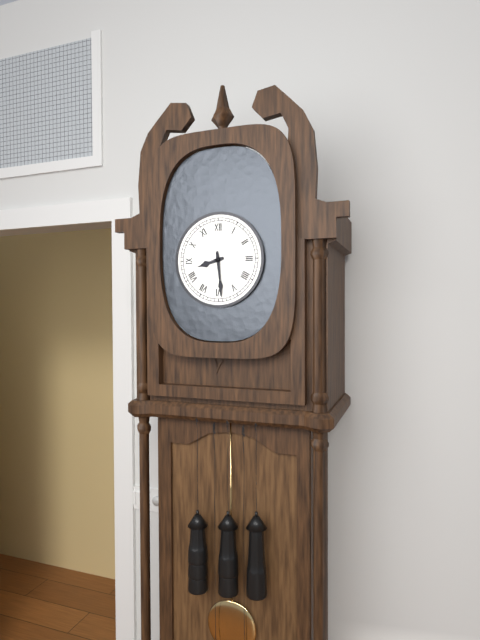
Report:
8h29
